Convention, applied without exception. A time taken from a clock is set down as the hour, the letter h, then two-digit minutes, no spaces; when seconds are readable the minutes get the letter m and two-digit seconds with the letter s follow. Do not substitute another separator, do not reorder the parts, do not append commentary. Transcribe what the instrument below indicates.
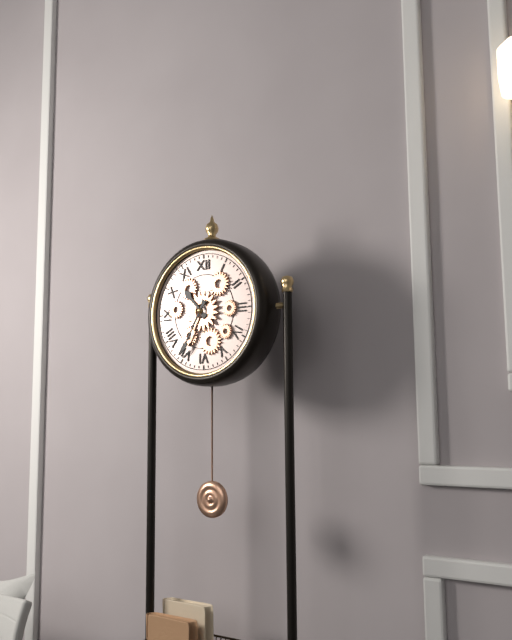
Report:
10h35
